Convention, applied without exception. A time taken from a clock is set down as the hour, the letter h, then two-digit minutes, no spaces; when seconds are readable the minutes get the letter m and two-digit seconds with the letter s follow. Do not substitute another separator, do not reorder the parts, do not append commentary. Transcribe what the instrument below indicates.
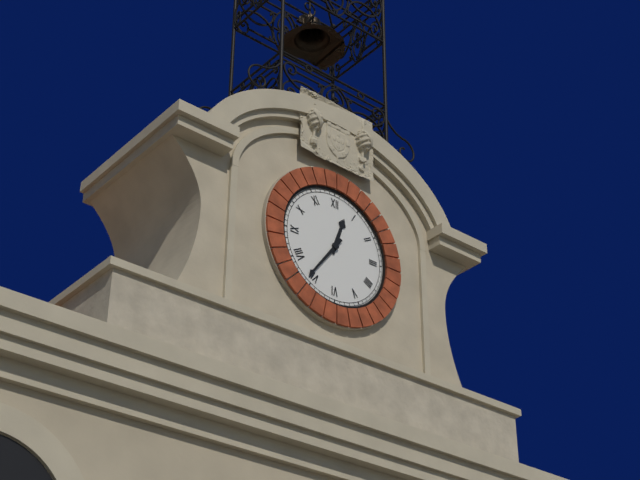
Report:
12h36
